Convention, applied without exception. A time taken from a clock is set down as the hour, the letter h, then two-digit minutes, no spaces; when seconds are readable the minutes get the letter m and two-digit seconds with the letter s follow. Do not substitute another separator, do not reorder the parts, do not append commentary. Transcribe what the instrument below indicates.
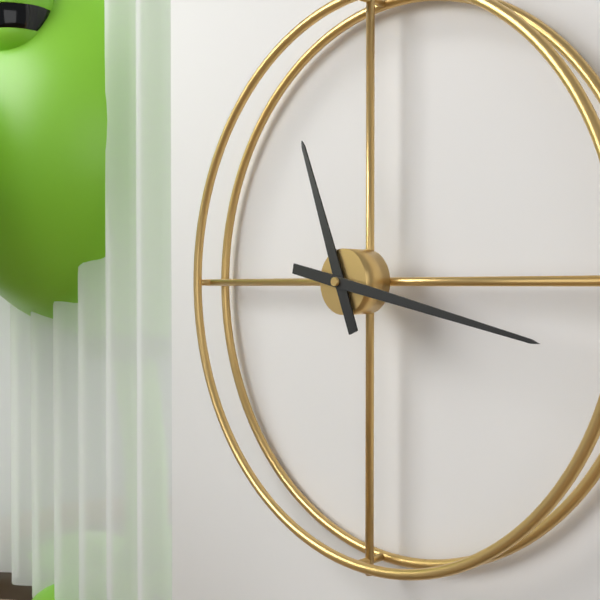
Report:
11h17
